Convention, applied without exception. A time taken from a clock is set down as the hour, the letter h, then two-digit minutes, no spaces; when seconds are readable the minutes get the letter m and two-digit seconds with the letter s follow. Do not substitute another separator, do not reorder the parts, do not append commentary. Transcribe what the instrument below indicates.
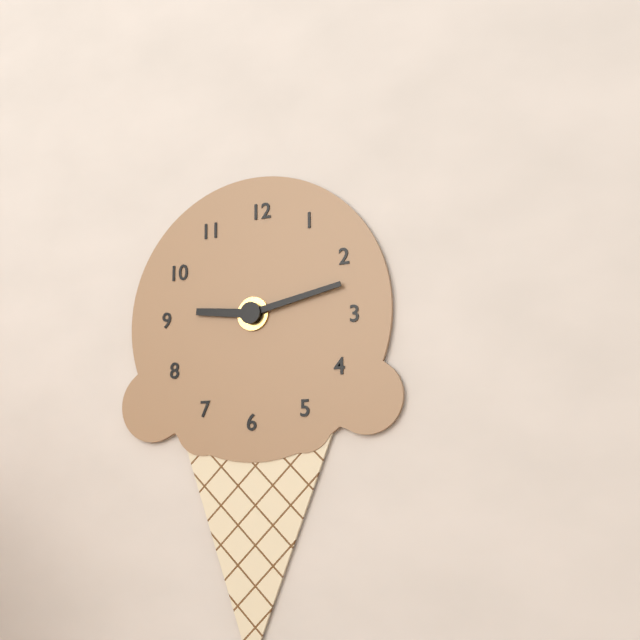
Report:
9h13
